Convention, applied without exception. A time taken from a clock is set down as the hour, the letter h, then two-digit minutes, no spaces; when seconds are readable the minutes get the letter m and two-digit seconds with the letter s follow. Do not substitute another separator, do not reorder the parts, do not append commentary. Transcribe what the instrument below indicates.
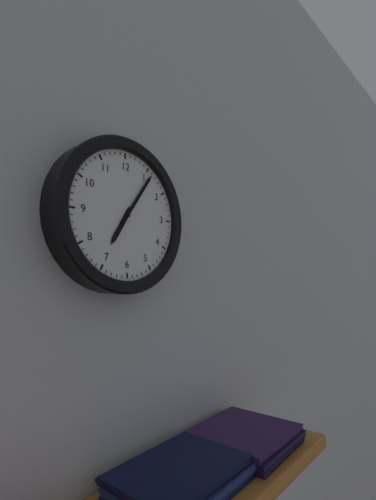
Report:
7h06
